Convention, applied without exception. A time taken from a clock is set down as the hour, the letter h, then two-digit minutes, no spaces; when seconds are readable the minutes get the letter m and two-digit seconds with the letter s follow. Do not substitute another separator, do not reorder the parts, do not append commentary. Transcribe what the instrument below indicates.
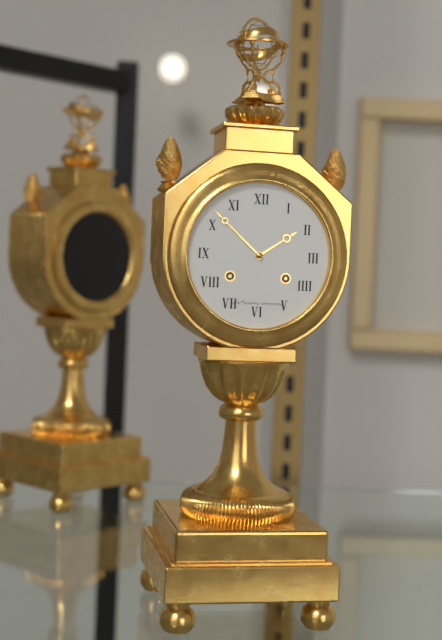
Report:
1h52
